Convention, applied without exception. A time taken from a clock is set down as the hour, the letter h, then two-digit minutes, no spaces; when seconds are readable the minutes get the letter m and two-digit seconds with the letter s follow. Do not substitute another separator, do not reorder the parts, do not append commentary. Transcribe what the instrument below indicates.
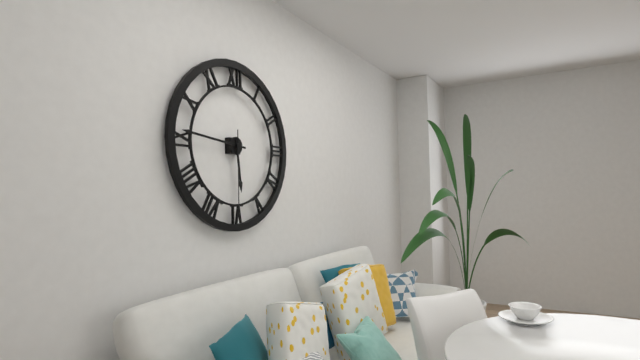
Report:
5h46m30s
